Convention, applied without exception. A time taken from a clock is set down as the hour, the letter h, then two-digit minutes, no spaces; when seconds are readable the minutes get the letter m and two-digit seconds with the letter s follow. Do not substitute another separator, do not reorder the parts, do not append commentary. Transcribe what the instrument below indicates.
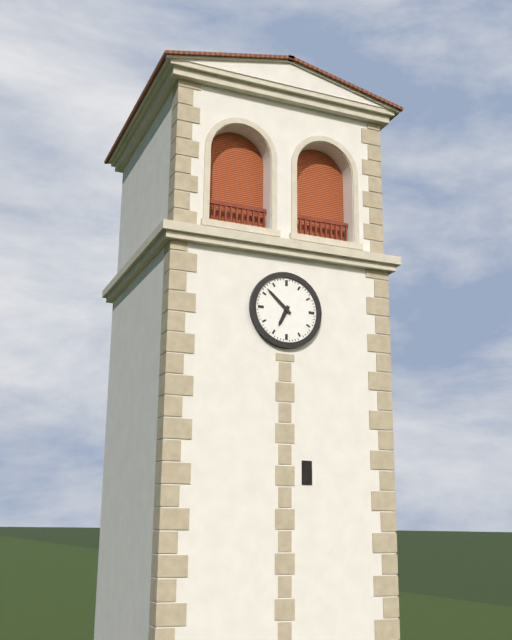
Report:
6h52
